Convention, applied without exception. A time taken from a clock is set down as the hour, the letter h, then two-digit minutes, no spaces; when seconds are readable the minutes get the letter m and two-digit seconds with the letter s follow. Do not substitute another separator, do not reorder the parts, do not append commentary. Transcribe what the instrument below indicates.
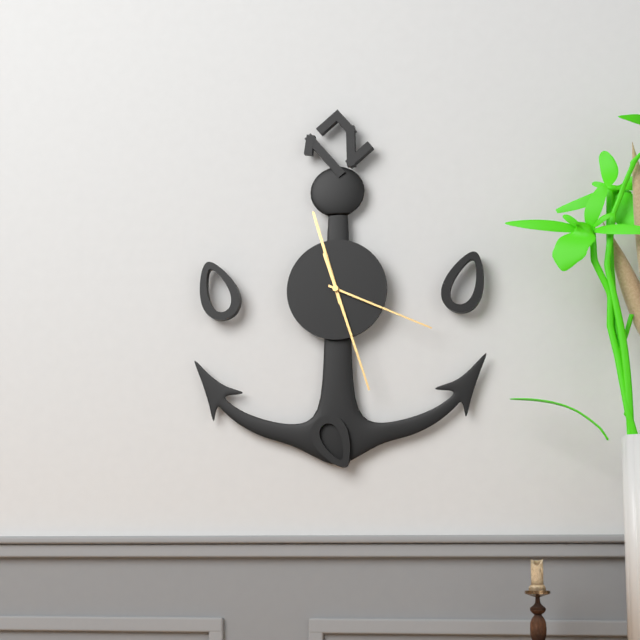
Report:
11h27m19s
